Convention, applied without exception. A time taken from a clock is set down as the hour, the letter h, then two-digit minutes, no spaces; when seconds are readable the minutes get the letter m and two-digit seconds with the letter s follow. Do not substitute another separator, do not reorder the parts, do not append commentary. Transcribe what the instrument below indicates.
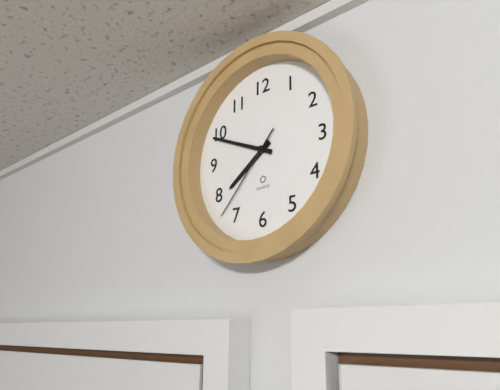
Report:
7h49m37s
